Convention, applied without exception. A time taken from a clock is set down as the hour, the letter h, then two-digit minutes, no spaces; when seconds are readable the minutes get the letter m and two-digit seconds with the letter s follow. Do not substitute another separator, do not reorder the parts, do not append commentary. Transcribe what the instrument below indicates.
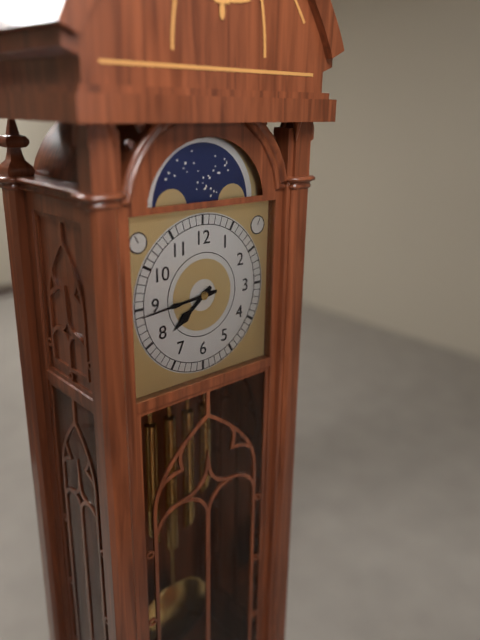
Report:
7h44
